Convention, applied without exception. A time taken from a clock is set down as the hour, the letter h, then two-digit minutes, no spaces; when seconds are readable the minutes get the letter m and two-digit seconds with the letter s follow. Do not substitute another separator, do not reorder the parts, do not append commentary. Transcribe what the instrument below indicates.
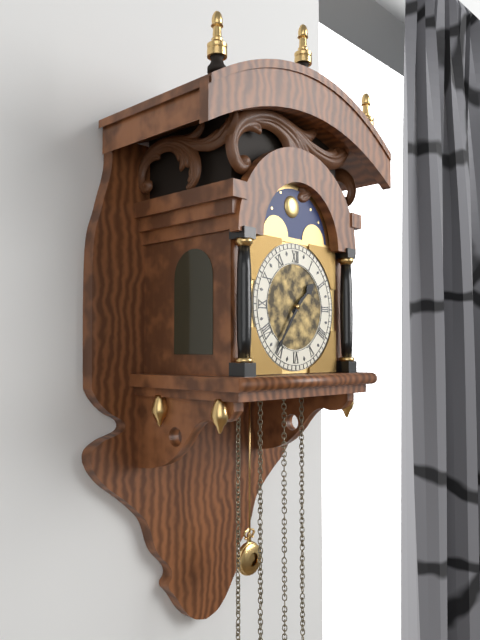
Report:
1h36
